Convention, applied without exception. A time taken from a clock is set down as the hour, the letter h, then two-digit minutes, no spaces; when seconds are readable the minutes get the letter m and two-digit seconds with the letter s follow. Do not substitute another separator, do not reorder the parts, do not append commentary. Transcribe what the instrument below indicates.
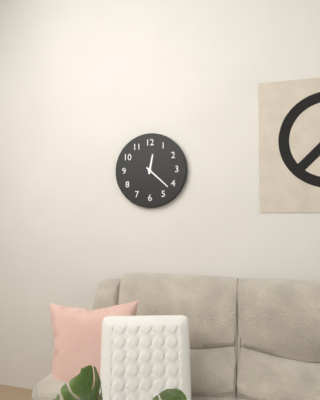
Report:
12h22
